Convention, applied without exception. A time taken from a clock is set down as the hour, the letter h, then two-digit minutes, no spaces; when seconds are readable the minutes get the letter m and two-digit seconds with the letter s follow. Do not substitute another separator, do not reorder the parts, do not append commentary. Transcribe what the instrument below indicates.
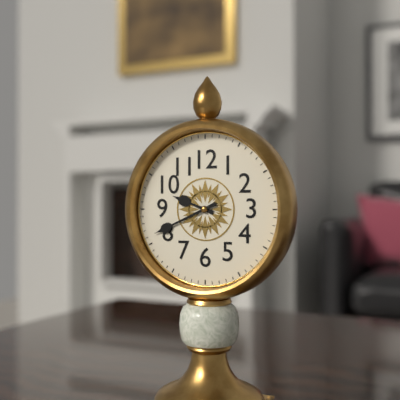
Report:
9h41
